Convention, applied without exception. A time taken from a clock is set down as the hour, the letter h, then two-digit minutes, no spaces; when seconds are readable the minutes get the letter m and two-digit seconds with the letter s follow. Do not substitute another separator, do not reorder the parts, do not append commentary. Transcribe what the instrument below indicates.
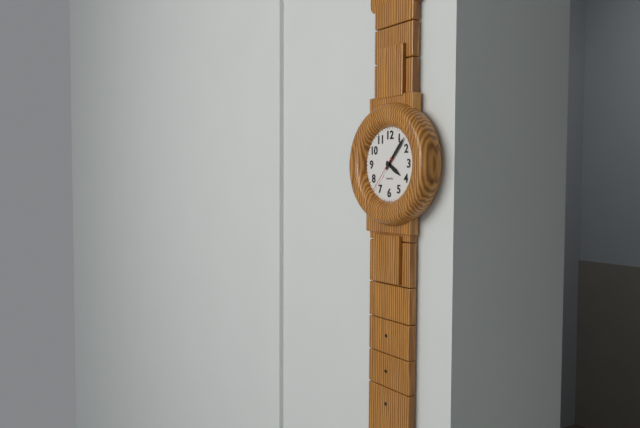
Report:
4h07
